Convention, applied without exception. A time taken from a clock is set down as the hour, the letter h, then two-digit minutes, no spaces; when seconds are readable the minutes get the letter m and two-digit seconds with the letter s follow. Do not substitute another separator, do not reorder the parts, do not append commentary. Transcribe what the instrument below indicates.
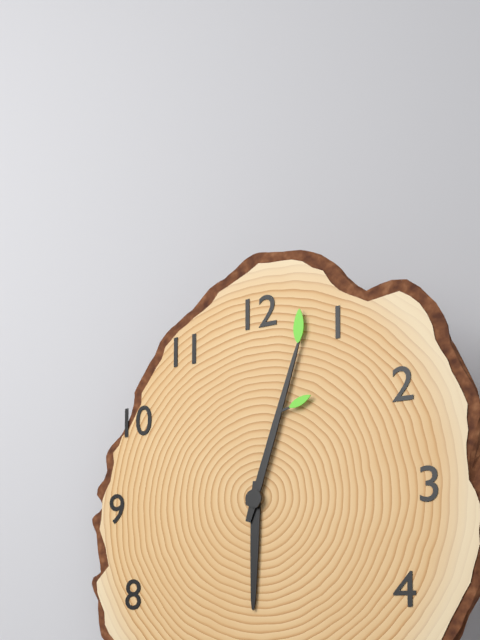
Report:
6h03
